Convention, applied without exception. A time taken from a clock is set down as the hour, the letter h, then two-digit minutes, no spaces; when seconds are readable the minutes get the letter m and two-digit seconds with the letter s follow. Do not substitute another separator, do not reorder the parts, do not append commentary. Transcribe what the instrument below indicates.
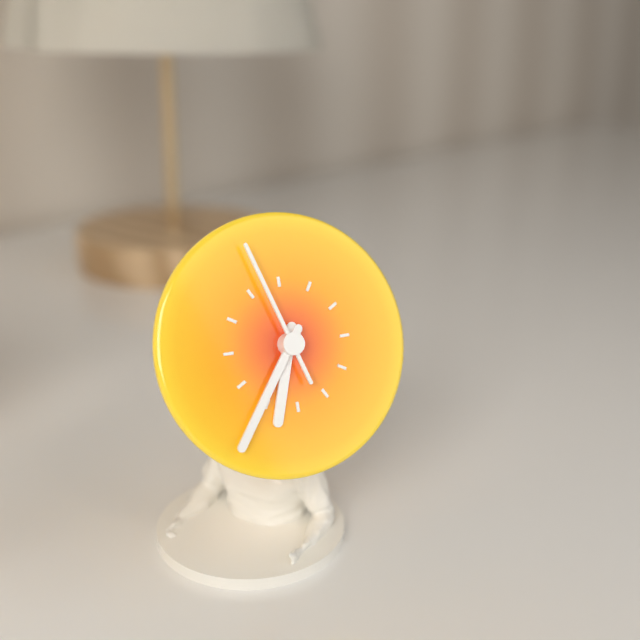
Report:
6h36m57s
